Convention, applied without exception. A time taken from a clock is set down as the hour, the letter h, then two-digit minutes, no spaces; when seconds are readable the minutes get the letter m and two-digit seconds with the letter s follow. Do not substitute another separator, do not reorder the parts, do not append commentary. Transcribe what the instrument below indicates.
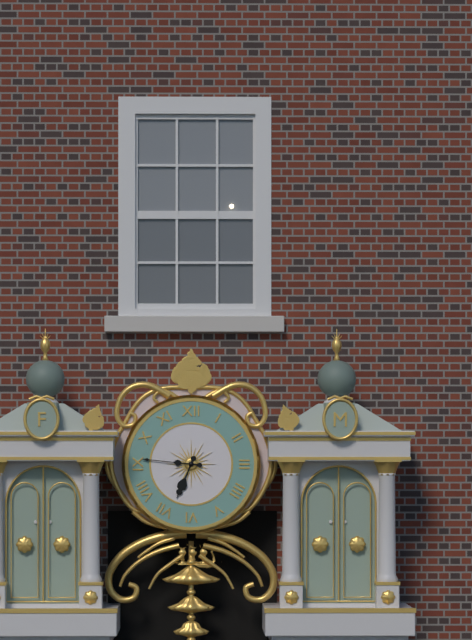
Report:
6h46
